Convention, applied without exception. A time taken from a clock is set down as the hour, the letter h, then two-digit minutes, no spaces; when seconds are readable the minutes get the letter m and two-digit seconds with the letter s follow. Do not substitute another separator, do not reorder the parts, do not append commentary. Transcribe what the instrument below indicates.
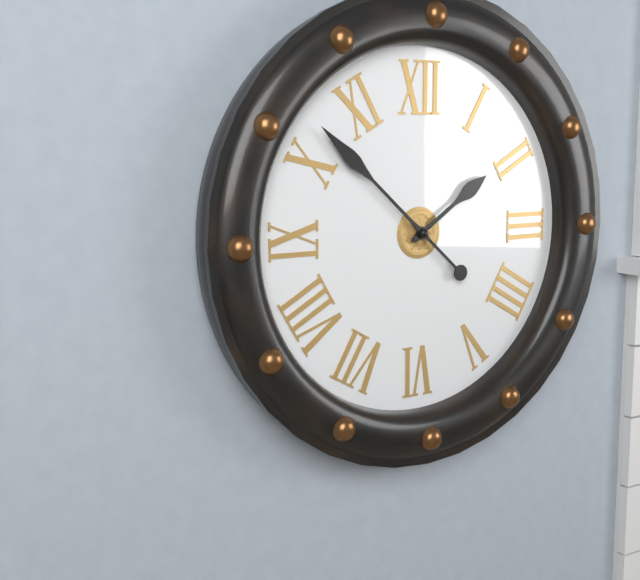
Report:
1h52
